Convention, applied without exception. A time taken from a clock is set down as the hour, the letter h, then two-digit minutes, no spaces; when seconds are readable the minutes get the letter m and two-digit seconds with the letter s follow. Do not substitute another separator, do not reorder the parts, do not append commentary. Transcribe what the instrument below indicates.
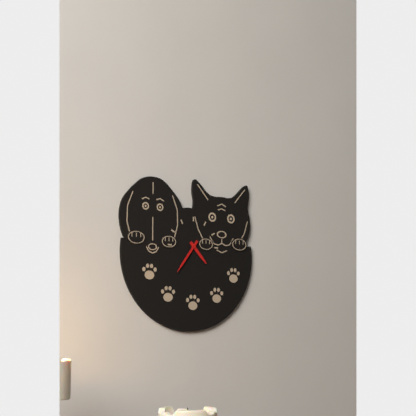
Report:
4h36
